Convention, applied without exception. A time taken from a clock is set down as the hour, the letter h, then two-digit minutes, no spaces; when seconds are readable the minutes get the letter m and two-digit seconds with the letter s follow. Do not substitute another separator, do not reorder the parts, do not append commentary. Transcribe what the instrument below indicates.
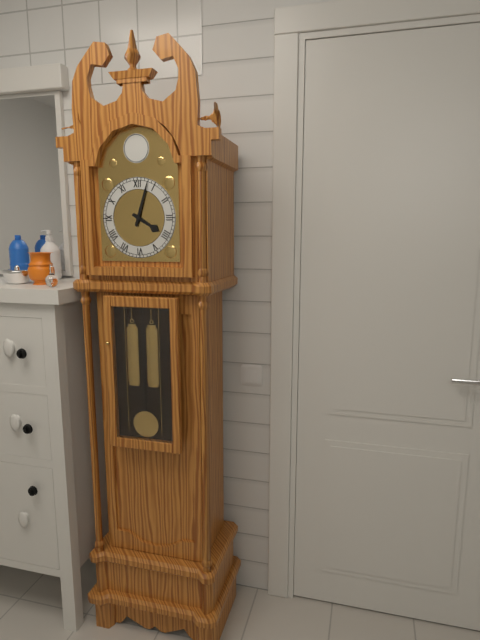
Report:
4h03
